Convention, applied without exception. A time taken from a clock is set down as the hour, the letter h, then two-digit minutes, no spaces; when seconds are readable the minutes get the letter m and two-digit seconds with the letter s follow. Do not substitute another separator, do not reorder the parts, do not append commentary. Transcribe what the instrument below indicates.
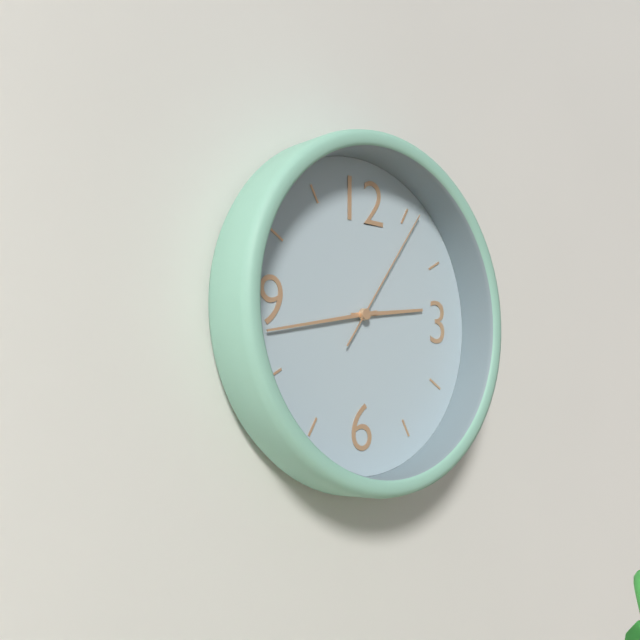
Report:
2h43m06s
